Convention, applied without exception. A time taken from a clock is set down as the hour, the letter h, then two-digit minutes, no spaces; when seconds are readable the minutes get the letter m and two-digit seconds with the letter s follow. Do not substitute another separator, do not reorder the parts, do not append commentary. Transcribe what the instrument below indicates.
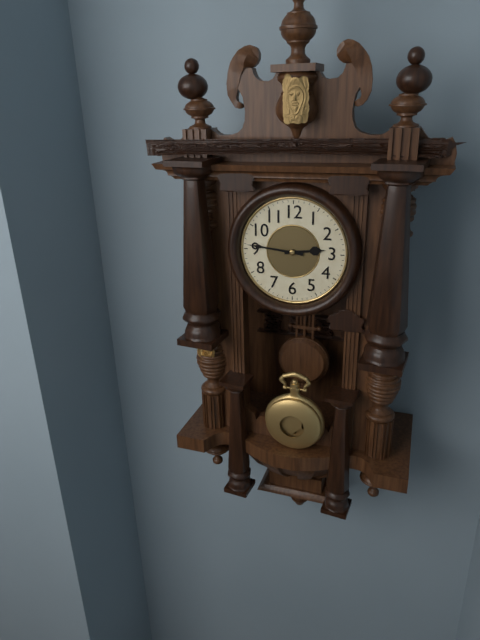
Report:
2h46
